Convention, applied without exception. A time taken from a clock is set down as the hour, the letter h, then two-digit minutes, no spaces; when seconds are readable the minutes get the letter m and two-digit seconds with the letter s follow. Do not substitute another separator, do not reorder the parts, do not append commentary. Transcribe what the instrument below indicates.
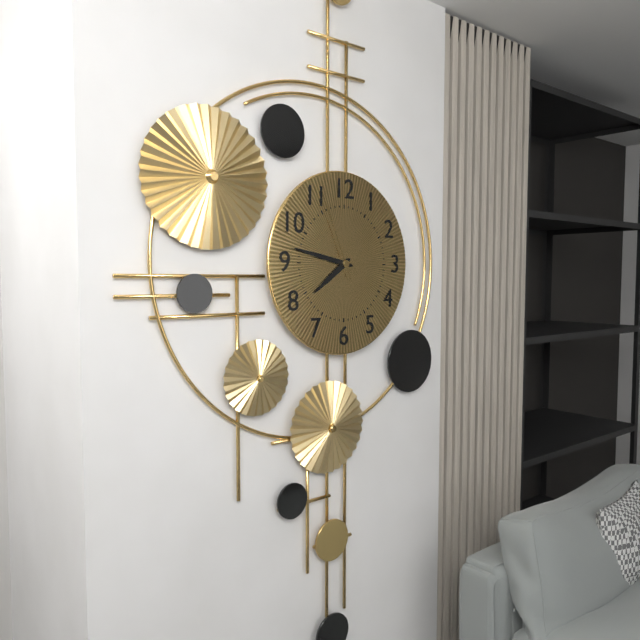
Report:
7h47m56s
